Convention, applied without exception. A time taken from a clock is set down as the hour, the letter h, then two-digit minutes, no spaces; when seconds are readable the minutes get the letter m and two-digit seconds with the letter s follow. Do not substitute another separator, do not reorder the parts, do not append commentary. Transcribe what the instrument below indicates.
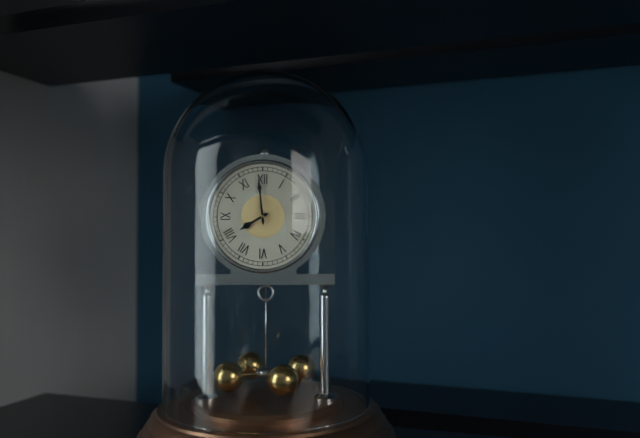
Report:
7h59
